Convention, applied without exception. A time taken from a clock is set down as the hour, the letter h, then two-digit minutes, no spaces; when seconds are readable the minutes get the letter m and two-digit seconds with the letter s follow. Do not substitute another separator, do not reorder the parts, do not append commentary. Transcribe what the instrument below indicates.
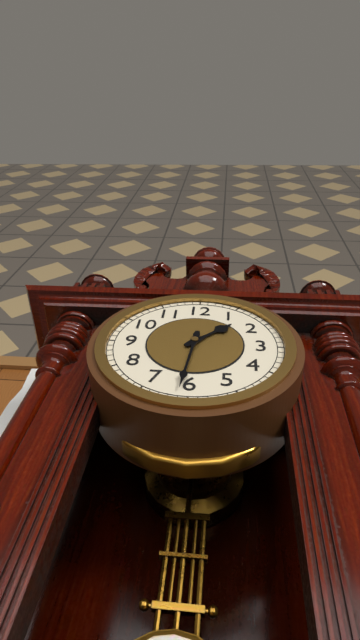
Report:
1h31
